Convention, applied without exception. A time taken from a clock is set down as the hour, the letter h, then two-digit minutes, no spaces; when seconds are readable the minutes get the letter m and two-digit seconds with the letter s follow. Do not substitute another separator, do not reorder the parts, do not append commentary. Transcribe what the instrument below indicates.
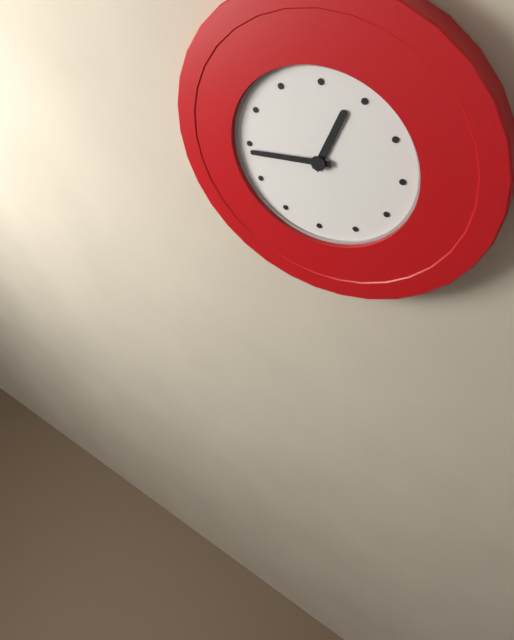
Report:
12h44
